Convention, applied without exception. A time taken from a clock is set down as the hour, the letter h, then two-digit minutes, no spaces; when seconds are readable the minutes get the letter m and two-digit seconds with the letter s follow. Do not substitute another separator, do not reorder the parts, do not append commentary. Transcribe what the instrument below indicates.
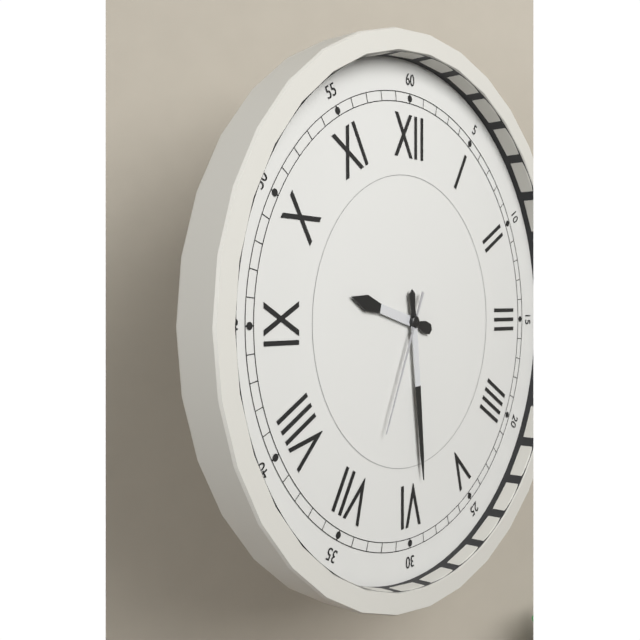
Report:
9h29m34s
